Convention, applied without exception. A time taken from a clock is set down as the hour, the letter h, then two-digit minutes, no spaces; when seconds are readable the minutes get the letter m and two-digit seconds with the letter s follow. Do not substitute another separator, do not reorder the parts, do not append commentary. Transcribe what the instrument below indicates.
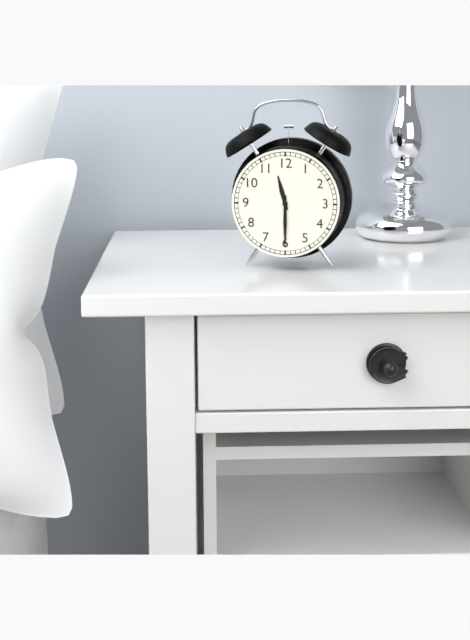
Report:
11h30
